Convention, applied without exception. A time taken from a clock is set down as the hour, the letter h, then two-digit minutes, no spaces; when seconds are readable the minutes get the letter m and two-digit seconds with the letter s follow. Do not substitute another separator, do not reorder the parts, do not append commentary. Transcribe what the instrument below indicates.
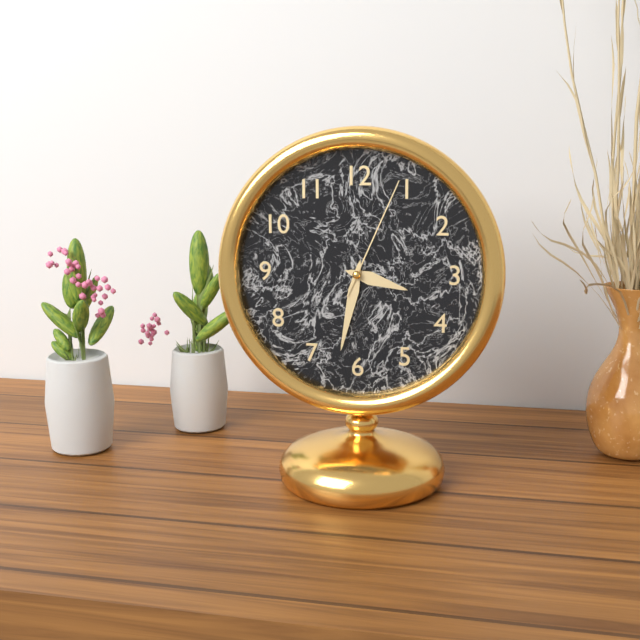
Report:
3h32m04s
